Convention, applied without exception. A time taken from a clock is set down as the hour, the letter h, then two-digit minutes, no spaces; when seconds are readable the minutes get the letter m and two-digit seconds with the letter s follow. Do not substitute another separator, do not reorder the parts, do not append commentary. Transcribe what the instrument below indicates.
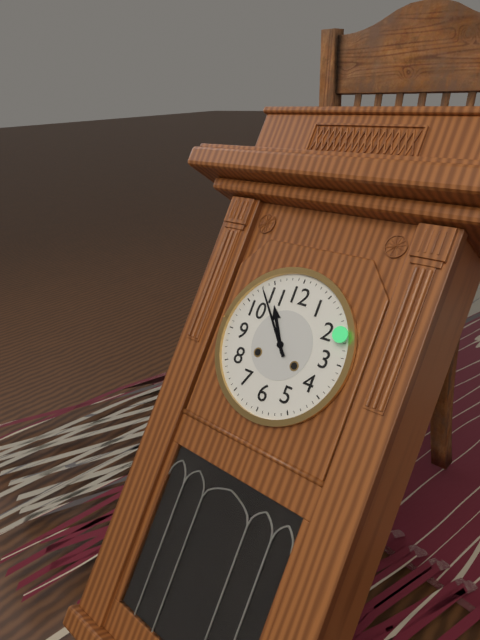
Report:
10h53
